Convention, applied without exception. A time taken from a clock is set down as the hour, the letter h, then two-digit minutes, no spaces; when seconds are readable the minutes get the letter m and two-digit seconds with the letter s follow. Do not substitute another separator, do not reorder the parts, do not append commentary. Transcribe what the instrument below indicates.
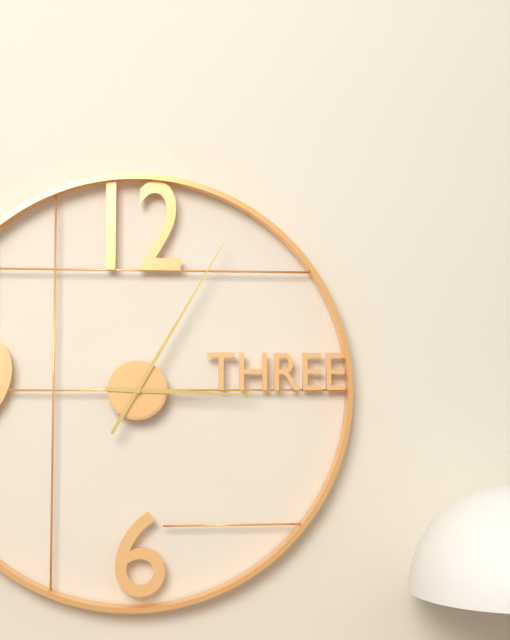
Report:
3h05
